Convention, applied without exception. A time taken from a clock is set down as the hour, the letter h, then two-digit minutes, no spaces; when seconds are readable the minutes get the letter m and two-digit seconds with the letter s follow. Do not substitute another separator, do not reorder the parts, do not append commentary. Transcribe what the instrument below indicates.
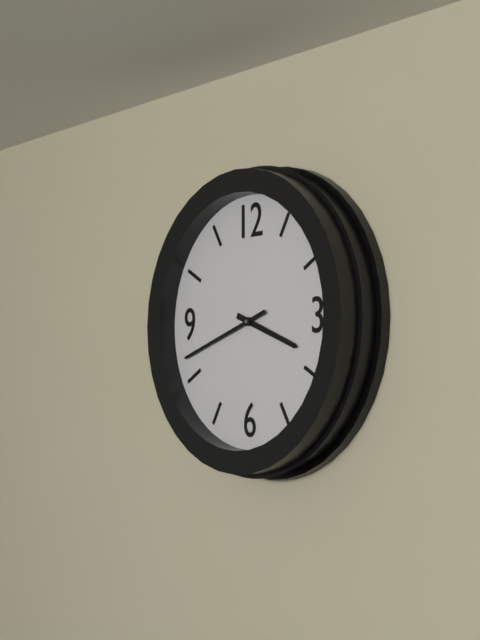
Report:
3h42
